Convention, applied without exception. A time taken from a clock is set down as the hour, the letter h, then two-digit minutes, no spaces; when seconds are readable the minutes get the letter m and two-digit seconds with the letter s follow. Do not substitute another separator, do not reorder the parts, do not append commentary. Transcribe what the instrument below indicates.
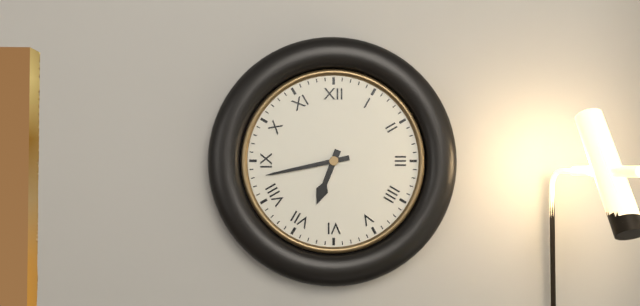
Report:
6h43
